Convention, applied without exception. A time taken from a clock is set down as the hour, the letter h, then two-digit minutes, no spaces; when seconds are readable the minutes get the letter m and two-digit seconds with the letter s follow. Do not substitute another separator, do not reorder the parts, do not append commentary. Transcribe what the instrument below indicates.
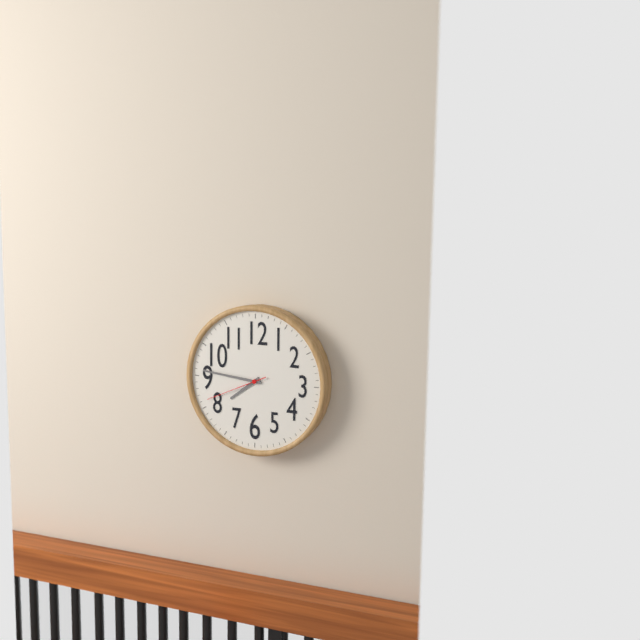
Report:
7h46m41s
